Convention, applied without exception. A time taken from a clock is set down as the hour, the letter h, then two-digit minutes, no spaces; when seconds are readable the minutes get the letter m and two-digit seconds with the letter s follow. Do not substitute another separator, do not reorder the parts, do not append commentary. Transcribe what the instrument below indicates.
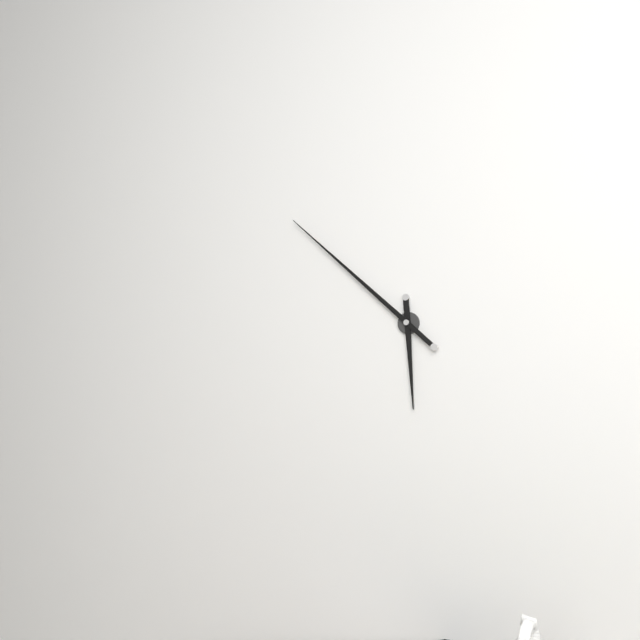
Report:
5h52
